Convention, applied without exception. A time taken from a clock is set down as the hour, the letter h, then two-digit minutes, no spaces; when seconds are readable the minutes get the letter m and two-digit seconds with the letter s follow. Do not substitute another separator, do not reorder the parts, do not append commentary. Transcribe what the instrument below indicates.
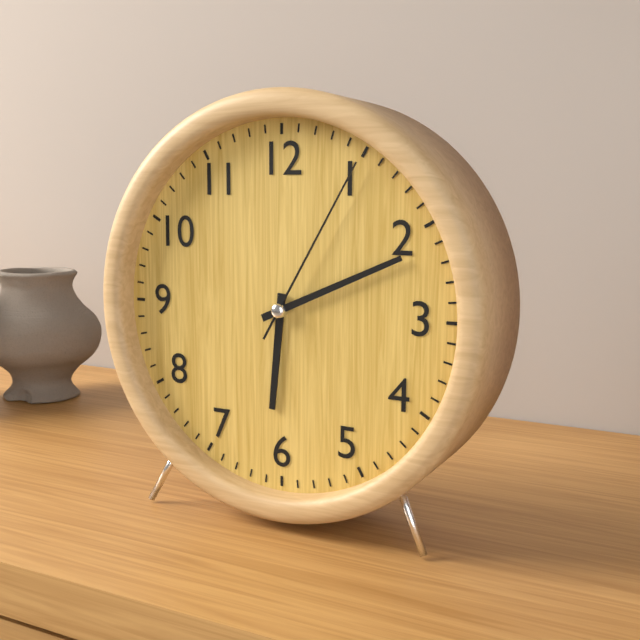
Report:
6h11m05s
